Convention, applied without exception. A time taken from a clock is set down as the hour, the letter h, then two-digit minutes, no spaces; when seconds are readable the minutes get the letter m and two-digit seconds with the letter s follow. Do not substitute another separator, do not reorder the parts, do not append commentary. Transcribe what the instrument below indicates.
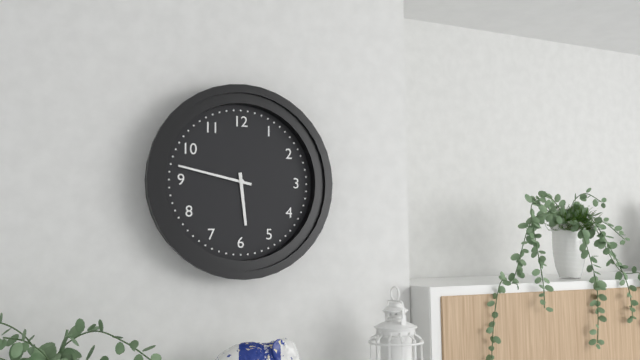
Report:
5h47
